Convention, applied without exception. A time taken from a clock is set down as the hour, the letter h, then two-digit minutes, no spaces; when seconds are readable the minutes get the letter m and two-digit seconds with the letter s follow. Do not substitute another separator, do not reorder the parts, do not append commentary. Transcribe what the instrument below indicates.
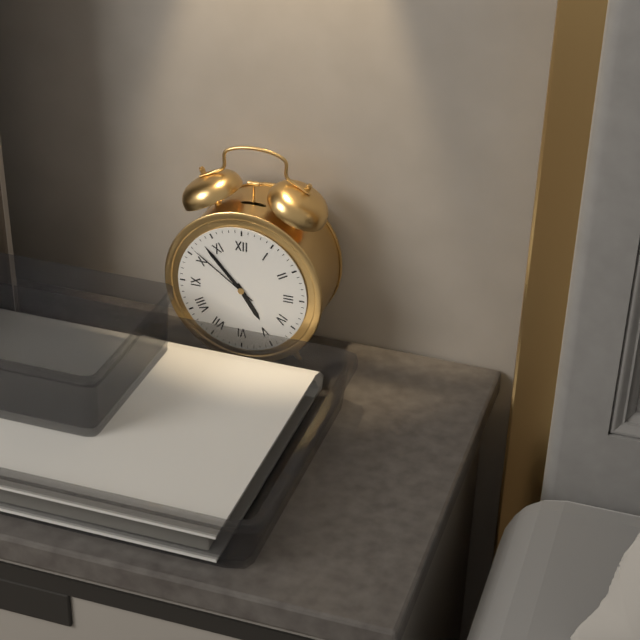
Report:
4h53m51s
